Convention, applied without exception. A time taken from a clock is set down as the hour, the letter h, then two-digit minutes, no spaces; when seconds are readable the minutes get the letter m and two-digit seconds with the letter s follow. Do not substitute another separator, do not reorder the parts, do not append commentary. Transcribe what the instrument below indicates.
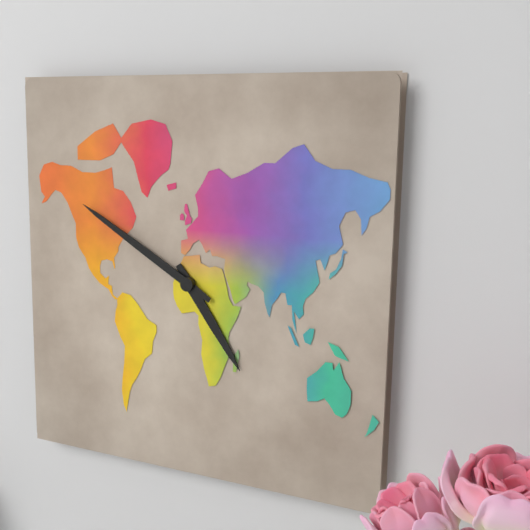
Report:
4h50
